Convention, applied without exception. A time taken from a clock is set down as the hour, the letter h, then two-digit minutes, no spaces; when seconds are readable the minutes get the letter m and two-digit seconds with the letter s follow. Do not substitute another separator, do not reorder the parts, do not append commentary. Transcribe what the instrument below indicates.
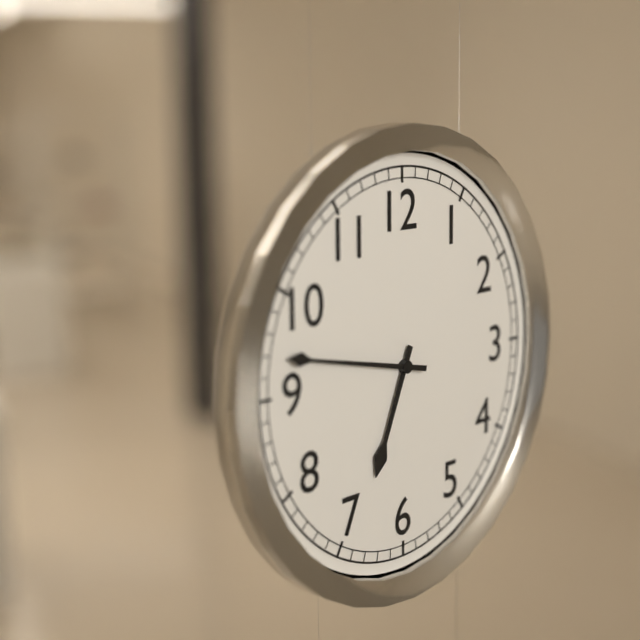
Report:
6h47
